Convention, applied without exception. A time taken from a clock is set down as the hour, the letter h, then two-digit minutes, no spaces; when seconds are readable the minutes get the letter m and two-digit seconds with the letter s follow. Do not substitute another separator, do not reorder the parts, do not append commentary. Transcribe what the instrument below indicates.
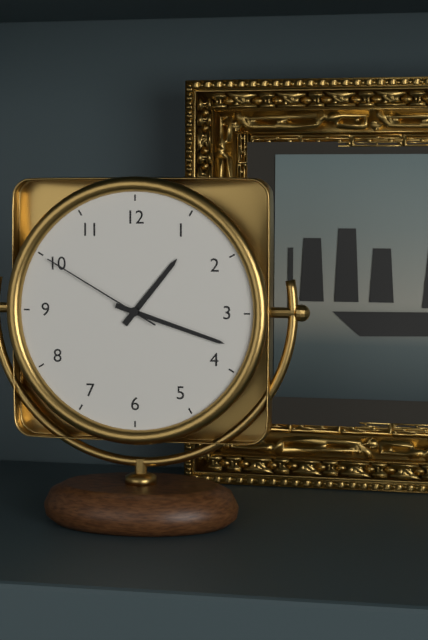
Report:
1h18m50s
